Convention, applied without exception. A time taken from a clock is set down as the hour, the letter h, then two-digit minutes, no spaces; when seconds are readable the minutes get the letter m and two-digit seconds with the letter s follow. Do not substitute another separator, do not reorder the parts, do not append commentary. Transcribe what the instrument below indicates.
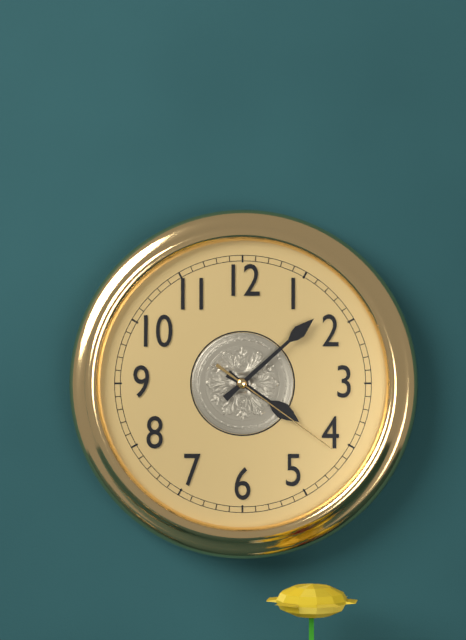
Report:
4h08m21s
